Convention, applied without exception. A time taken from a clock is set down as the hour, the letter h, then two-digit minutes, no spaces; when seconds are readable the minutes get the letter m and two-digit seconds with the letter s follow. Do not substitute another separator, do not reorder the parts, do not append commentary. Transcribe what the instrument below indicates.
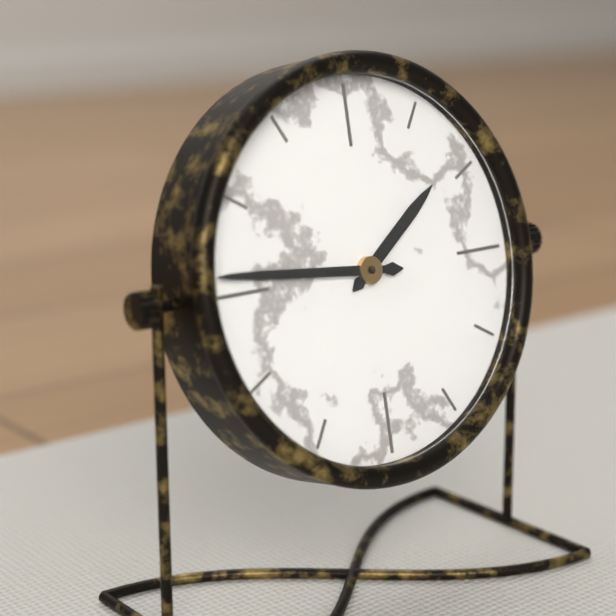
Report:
1h46
